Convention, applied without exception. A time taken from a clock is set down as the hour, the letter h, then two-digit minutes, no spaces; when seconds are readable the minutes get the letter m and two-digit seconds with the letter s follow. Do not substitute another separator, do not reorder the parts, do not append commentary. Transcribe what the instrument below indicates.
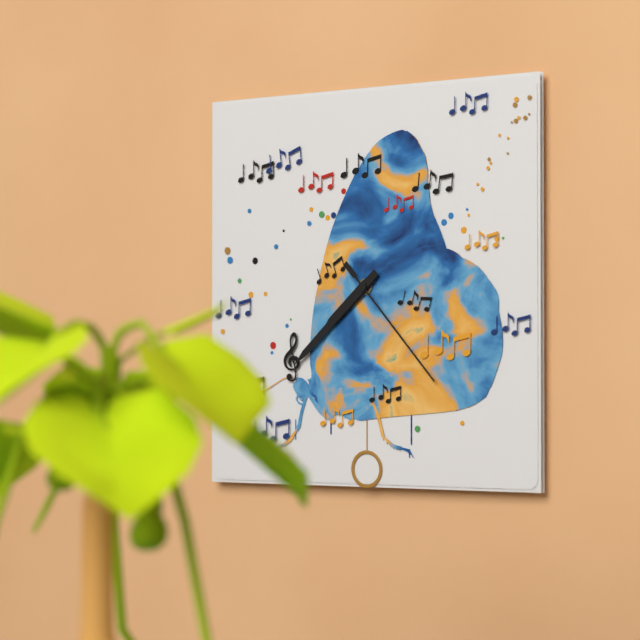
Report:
7h38m23s
